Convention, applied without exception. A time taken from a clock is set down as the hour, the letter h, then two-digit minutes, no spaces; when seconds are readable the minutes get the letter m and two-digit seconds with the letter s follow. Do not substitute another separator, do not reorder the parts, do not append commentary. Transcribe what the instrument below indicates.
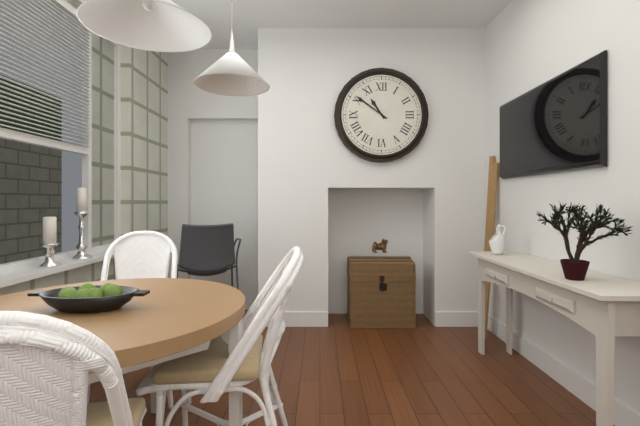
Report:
10h51
